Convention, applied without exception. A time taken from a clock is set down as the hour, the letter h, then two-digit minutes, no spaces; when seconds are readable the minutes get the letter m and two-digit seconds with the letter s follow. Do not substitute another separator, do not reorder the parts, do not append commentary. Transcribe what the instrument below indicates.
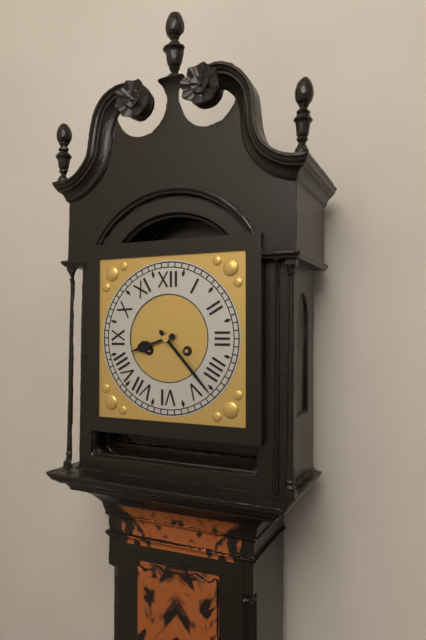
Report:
8h23
